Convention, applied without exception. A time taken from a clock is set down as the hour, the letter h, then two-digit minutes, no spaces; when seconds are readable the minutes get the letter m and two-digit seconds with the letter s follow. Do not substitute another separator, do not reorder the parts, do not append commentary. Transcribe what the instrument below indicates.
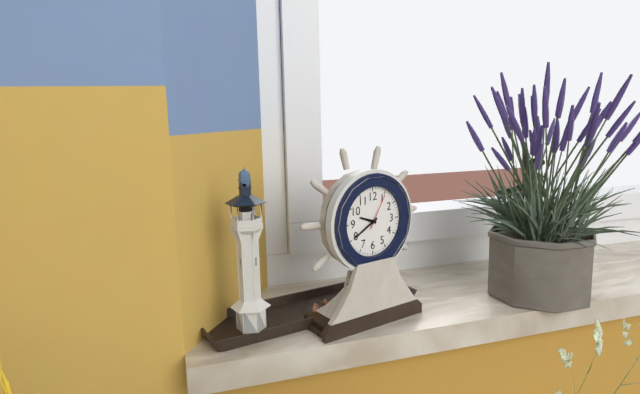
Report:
9h40
